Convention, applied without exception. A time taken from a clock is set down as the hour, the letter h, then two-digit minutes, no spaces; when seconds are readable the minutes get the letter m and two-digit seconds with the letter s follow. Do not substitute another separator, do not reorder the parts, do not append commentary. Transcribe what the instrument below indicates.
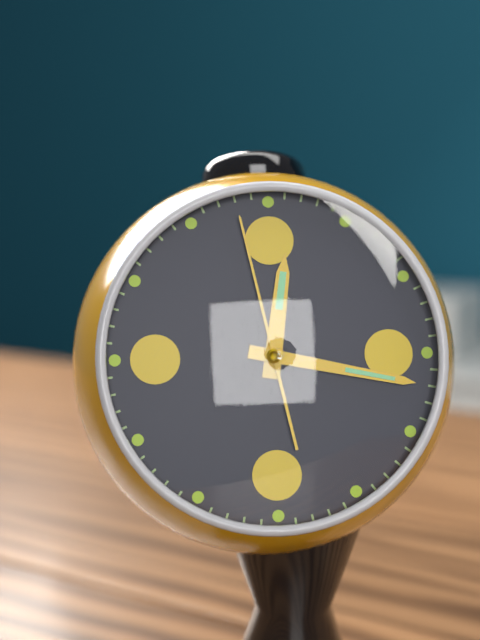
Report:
12h17m58s
